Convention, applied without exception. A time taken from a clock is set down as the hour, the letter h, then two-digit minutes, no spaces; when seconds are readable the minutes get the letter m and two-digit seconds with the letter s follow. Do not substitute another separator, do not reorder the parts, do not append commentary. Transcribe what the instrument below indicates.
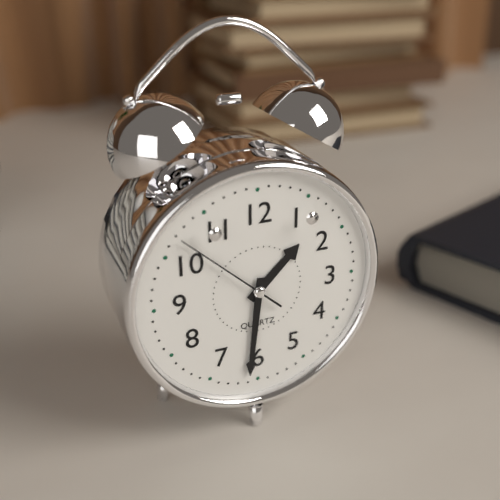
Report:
1h31m52s
